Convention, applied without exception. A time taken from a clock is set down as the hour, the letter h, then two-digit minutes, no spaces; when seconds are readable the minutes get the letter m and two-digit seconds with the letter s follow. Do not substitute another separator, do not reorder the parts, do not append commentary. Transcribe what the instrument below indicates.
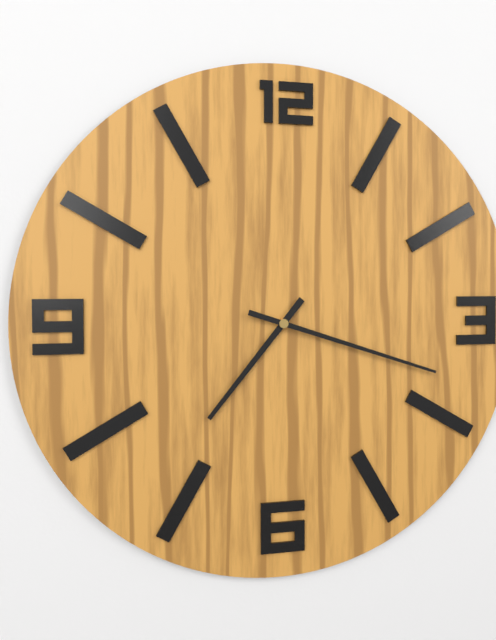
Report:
7h18
